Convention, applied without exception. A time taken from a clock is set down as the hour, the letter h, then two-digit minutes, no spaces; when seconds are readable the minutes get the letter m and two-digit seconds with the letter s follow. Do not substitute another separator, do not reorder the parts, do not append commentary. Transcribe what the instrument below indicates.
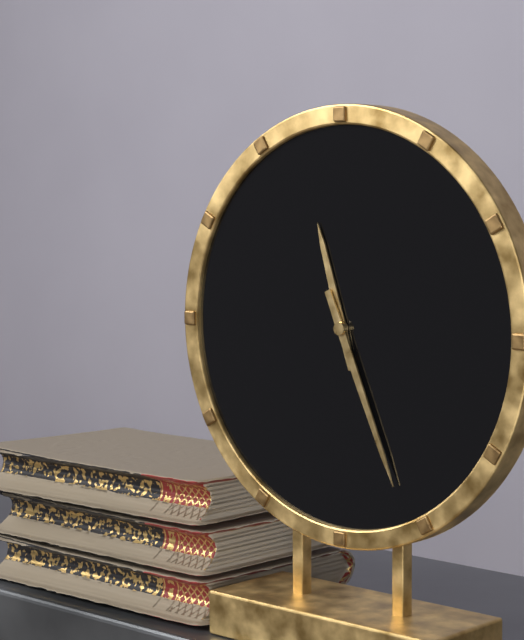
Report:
11h26
